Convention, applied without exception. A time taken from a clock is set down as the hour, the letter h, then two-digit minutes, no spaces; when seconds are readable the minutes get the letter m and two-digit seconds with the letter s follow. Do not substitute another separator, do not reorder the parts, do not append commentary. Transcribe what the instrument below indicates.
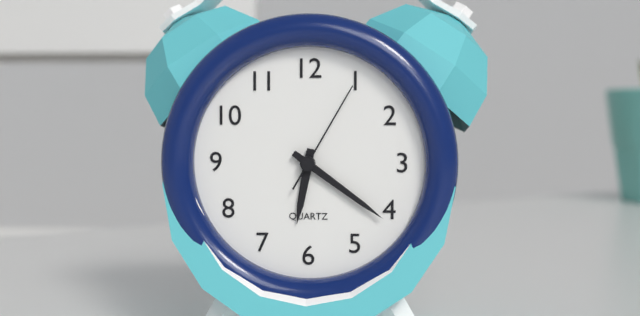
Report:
6h21m05s
